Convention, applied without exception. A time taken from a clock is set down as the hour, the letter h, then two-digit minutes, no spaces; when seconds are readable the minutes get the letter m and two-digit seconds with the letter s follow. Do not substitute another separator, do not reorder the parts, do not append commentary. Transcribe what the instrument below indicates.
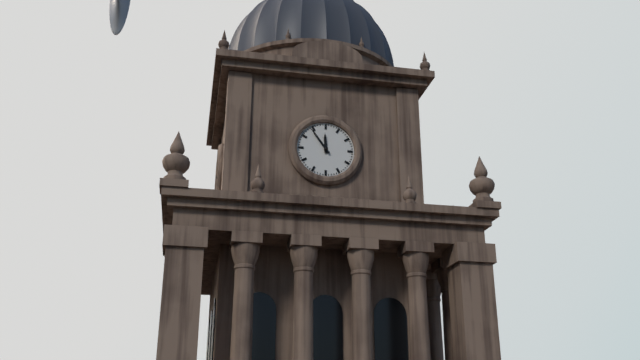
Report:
11h54
